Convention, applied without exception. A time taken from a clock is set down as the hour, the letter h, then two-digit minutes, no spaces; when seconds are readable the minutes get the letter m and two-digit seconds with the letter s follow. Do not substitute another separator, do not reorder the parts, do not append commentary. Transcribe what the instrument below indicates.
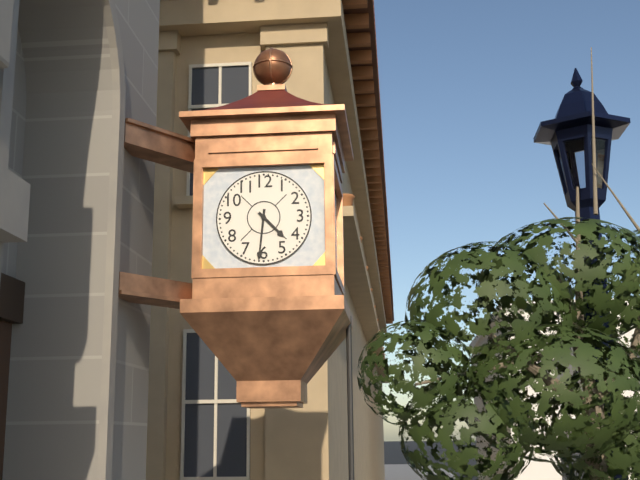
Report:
4h31
